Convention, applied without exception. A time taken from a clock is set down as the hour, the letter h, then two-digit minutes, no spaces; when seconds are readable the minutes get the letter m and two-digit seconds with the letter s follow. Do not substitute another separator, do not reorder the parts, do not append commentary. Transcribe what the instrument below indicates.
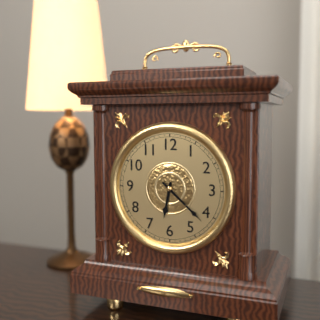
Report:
6h22
